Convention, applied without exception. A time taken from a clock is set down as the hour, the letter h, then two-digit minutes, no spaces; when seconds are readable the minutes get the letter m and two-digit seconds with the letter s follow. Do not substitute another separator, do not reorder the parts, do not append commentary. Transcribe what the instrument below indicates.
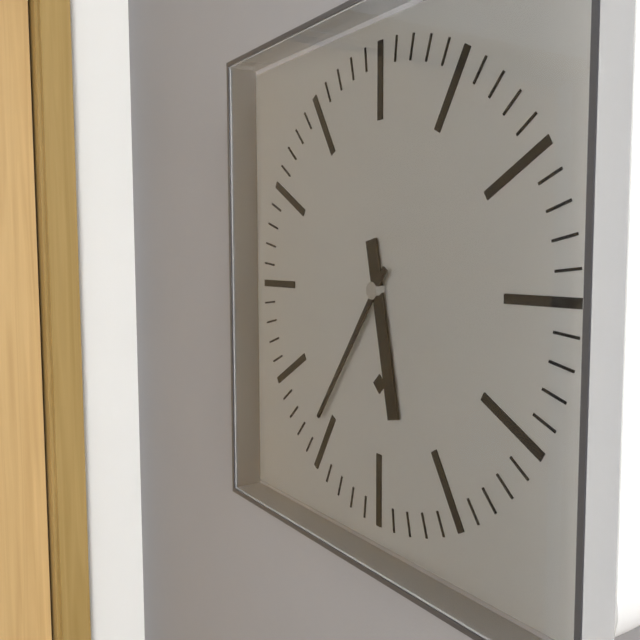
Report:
5h36
